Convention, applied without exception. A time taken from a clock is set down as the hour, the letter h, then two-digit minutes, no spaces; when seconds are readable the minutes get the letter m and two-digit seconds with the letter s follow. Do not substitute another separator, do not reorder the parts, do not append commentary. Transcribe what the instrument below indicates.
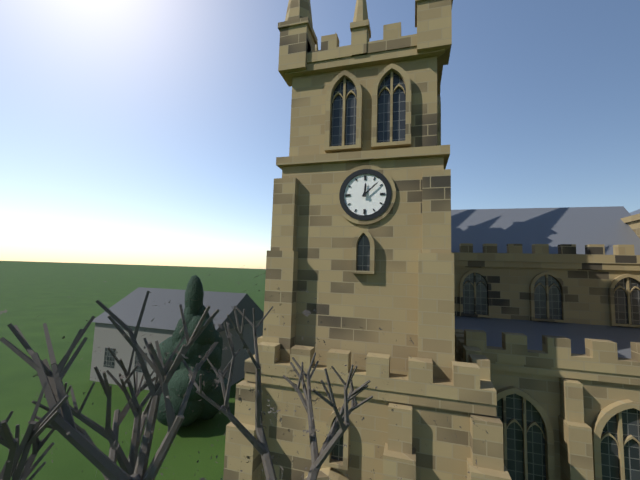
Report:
12h08
